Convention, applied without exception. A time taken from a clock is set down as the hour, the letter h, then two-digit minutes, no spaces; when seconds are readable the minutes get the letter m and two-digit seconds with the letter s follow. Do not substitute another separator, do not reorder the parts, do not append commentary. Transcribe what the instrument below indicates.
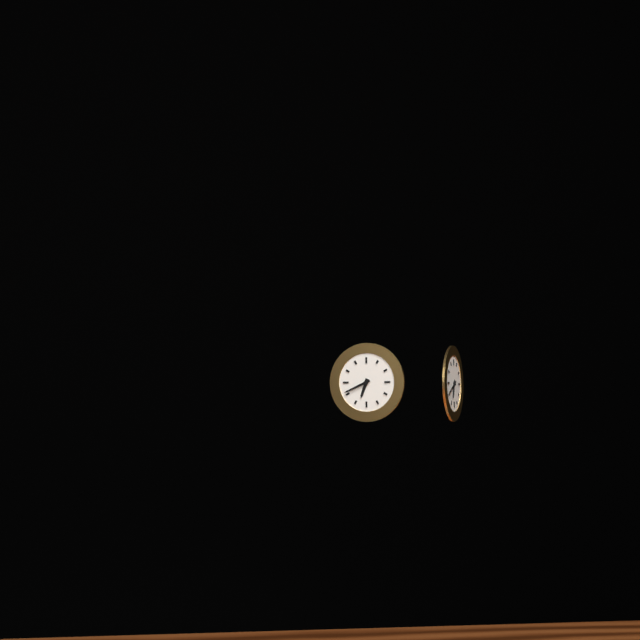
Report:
6h41
